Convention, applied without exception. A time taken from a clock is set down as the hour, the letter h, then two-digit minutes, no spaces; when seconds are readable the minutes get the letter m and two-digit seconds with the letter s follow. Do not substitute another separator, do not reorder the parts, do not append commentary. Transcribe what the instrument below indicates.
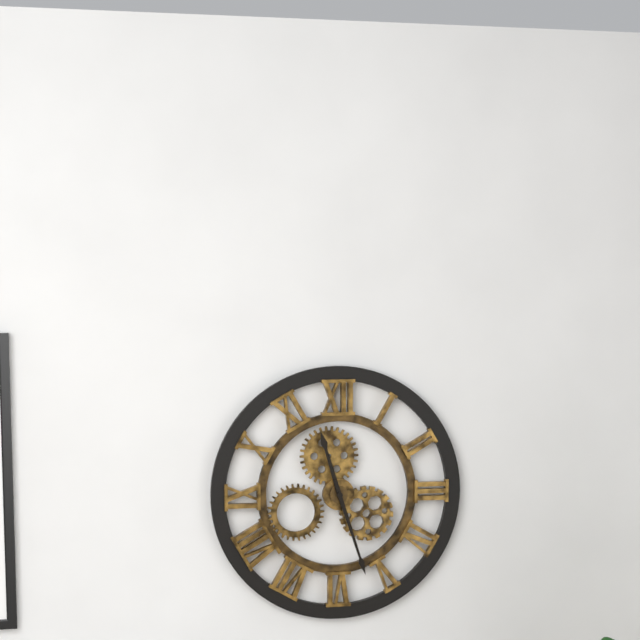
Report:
11h27
